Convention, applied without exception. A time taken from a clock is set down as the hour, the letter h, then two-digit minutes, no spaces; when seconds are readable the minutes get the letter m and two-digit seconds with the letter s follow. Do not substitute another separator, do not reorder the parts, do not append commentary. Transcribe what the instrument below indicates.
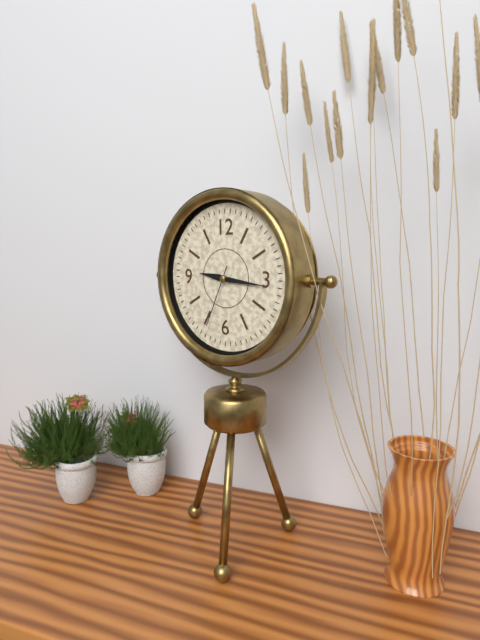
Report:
9h16m34s
